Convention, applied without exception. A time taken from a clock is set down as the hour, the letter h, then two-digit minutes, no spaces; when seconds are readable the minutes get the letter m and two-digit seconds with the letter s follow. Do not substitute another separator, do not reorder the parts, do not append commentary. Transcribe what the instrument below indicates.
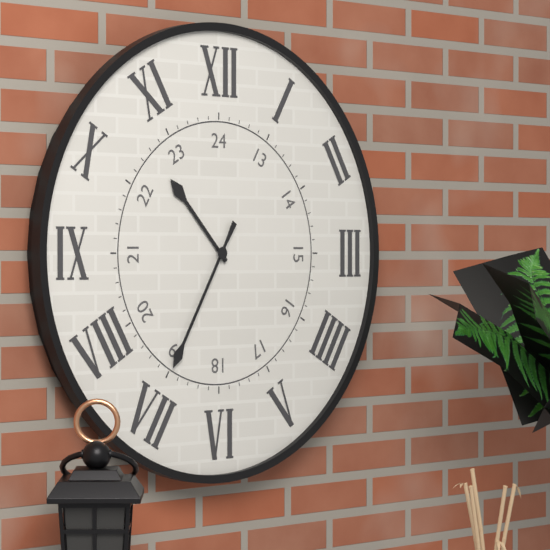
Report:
10h35
